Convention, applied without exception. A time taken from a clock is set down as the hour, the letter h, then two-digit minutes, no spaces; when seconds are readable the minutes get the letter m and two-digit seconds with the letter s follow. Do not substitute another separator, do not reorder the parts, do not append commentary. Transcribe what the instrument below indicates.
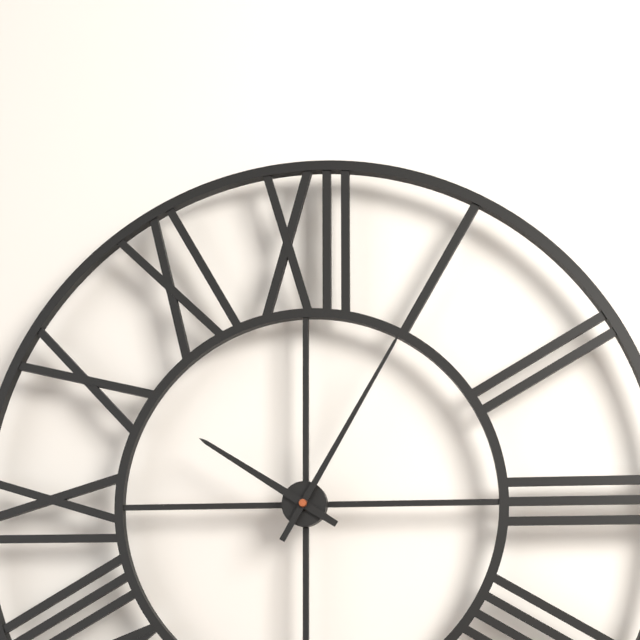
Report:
10h05
